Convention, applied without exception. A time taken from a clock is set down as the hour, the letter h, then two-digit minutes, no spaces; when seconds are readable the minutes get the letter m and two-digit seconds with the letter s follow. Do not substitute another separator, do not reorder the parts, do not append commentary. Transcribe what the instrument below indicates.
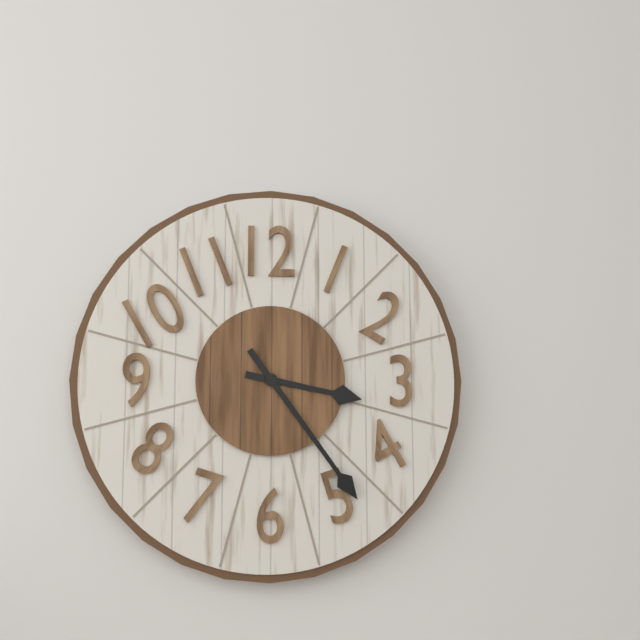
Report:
3h24
